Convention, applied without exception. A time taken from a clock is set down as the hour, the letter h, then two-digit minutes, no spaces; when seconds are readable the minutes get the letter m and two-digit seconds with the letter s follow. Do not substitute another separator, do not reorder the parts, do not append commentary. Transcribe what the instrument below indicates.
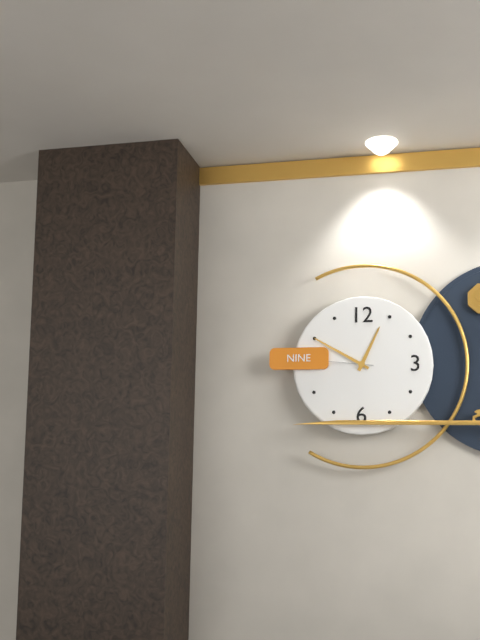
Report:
12h50
